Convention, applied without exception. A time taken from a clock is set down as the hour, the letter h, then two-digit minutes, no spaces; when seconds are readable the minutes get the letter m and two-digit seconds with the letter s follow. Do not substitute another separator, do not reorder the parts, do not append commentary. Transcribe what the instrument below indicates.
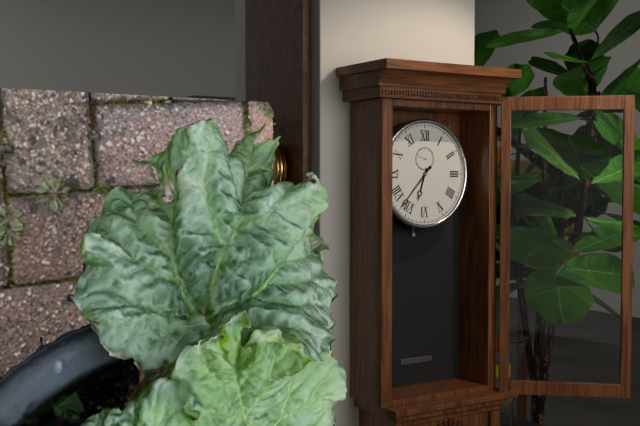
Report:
6h37
